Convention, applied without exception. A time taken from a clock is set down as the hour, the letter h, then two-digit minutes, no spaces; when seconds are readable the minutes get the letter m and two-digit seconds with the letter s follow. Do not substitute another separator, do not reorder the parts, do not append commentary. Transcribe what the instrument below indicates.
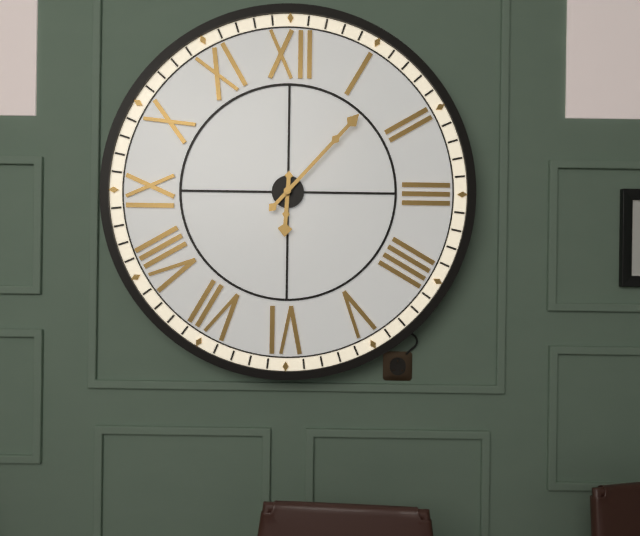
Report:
6h07
